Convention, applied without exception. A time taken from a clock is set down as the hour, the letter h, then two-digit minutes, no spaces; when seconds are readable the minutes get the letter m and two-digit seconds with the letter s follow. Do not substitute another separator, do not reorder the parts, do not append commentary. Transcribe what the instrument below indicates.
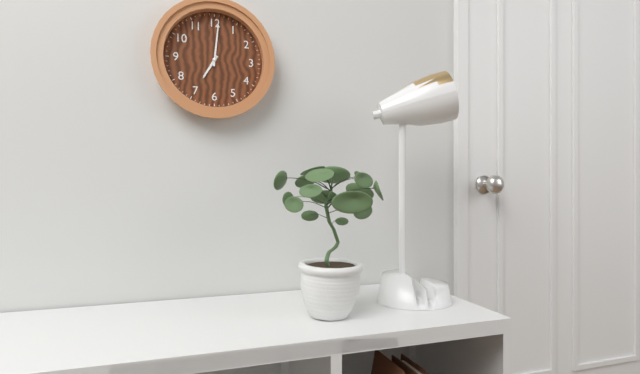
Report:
7h01
